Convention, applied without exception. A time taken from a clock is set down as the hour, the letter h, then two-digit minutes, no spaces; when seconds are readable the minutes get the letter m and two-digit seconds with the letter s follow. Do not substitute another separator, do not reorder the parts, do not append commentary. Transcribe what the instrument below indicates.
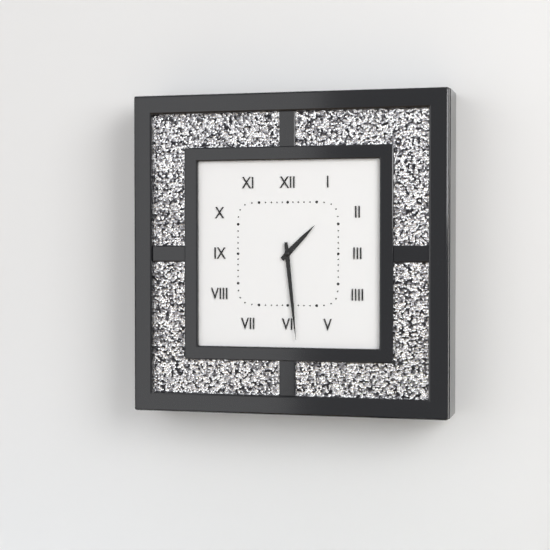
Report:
1h29
